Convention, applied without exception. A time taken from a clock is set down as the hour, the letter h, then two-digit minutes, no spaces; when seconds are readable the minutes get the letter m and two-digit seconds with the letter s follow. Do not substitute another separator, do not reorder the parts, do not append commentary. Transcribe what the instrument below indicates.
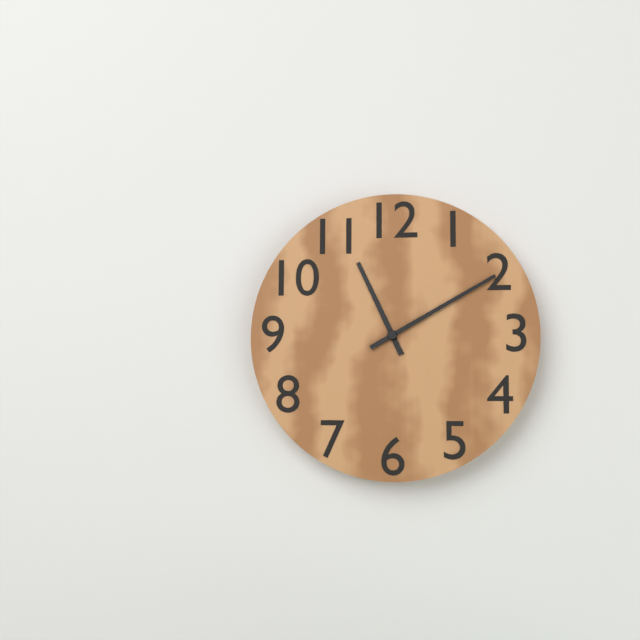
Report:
11h10
